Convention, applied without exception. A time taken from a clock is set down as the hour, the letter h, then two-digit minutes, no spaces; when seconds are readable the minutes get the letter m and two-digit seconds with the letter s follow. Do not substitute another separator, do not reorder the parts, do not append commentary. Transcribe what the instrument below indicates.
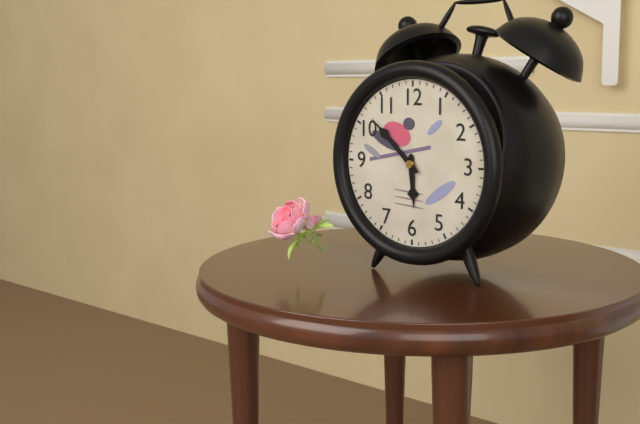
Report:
5h52
